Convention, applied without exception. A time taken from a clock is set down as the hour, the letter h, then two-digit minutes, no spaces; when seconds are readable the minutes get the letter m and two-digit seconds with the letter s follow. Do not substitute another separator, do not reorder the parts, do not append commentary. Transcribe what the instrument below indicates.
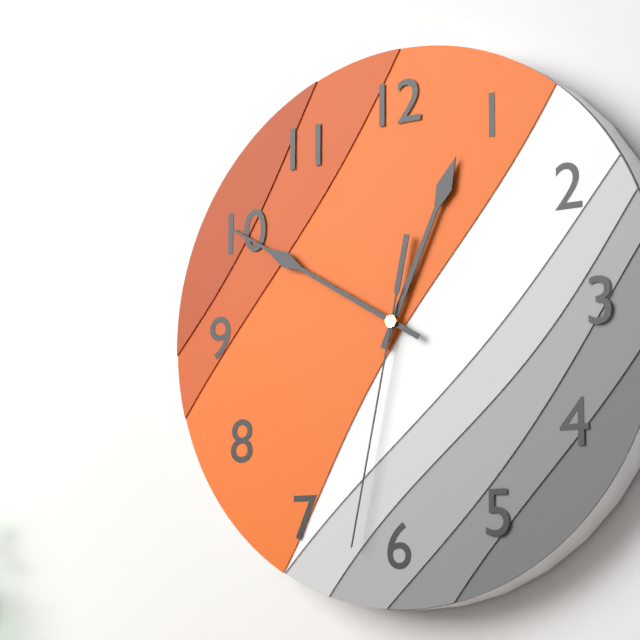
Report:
12h50m32s
